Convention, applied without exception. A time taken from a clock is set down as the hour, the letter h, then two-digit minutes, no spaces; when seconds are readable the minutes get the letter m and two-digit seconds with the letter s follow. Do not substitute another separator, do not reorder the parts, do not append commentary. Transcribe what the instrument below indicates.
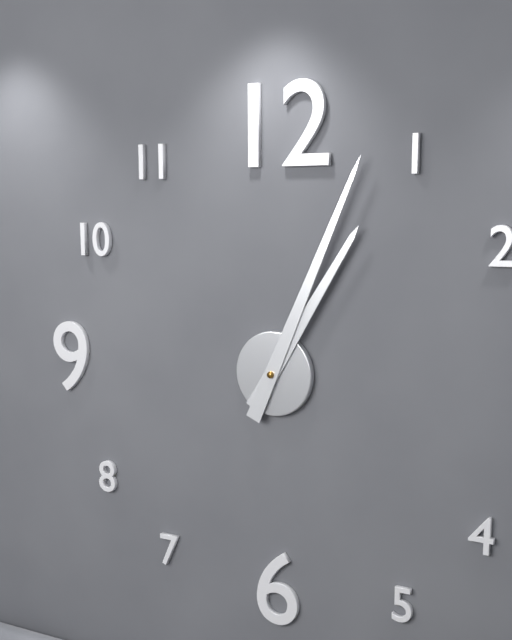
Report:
1h04
